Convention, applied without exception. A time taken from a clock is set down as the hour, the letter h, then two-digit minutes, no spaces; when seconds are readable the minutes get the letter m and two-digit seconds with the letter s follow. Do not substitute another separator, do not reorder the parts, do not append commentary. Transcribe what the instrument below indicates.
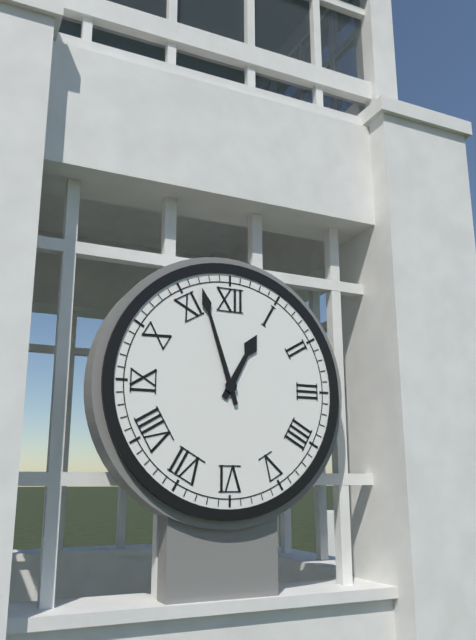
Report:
12h57
